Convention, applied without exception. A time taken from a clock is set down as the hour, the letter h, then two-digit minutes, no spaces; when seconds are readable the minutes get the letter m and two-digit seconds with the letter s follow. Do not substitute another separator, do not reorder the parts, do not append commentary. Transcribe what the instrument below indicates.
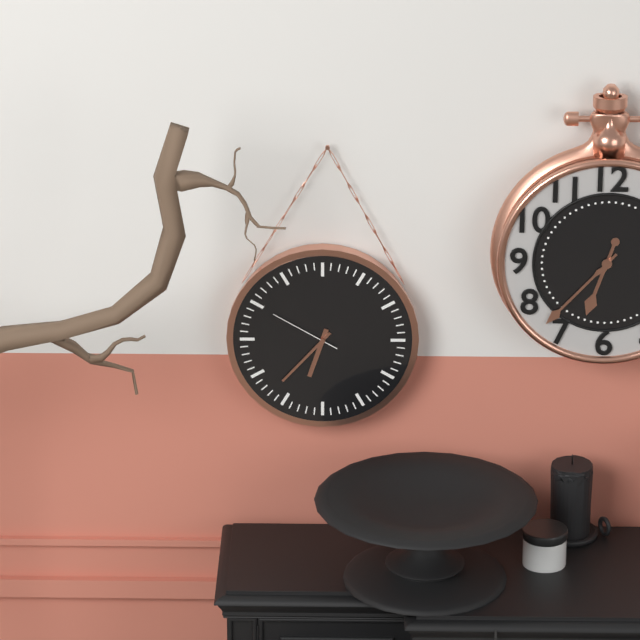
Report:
6h37m50s
